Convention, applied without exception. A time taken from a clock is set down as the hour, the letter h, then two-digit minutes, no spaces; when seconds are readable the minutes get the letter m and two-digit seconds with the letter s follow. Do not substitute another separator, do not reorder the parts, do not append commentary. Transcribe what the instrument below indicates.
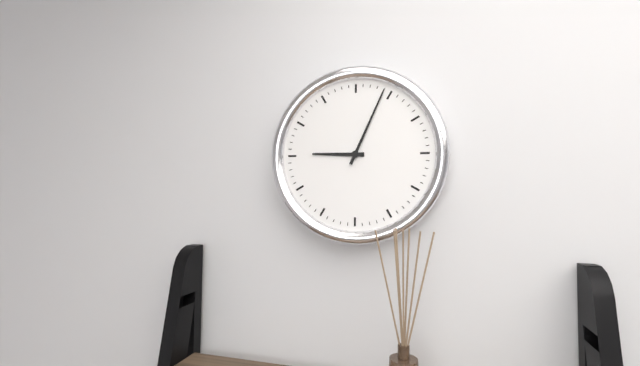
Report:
9h04
